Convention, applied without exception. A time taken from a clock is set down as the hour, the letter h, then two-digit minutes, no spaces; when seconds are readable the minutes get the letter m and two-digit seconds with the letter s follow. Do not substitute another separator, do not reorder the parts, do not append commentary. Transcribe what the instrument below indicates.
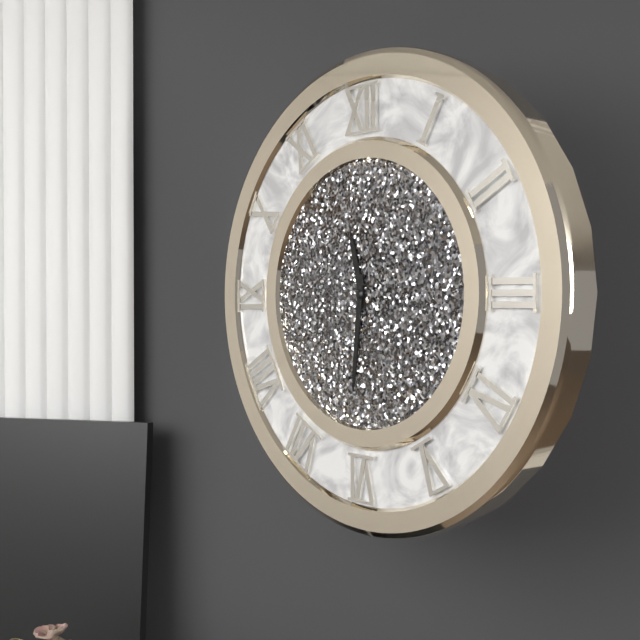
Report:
11h31
